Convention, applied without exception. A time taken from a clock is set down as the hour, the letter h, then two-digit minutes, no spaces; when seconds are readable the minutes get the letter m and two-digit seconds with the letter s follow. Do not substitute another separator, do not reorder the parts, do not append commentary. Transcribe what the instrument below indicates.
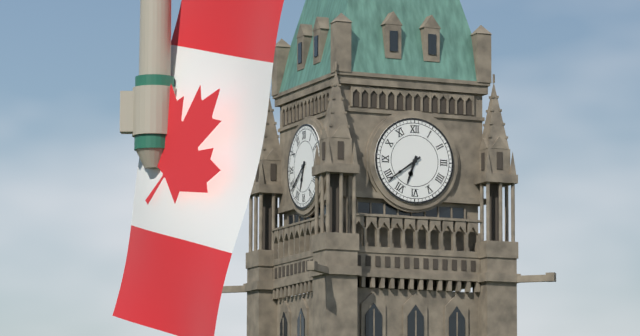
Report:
6h39
